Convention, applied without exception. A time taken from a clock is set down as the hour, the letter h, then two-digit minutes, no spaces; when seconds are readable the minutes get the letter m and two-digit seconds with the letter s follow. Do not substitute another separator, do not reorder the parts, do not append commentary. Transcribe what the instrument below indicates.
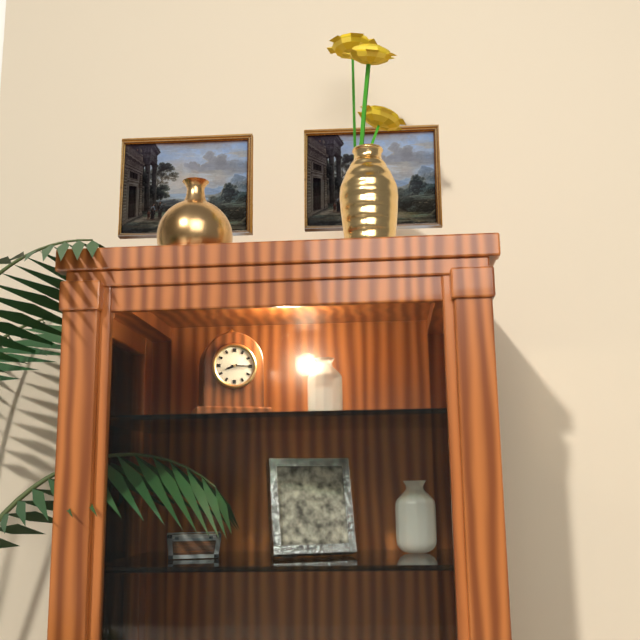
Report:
8h15
